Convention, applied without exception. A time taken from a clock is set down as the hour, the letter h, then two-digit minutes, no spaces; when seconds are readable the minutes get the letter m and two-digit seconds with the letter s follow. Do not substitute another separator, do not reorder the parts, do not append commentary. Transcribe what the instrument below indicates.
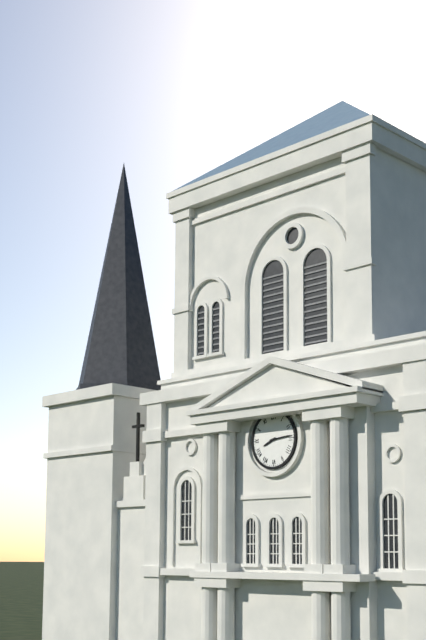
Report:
8h14
